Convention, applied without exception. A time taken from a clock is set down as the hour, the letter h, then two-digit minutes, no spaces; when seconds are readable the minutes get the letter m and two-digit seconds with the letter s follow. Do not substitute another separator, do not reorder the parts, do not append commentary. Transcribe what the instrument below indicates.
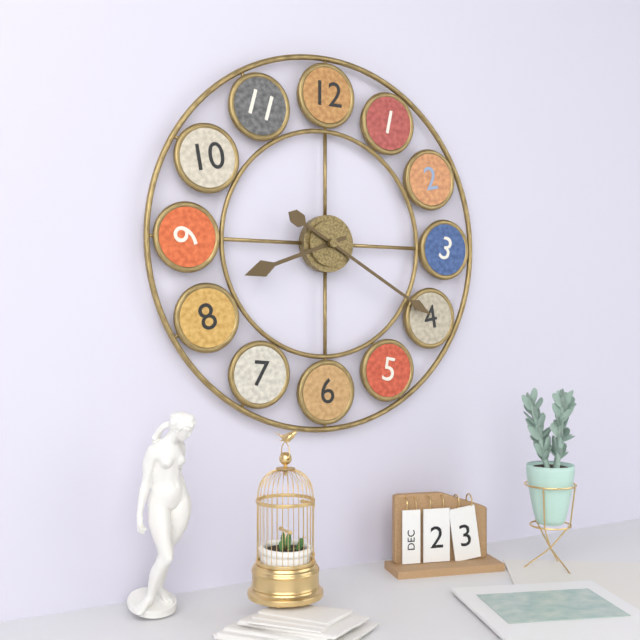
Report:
8h20
